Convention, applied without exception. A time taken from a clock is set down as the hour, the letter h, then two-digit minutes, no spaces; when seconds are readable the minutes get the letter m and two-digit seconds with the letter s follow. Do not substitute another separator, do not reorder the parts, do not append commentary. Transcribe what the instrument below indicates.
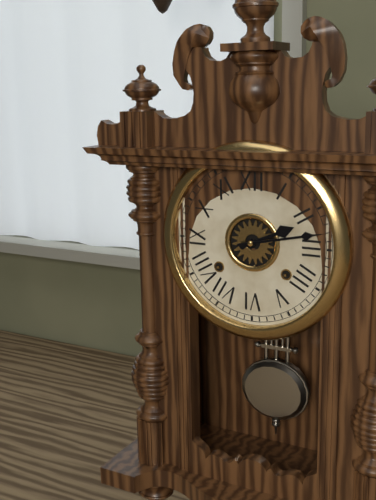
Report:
2h13
